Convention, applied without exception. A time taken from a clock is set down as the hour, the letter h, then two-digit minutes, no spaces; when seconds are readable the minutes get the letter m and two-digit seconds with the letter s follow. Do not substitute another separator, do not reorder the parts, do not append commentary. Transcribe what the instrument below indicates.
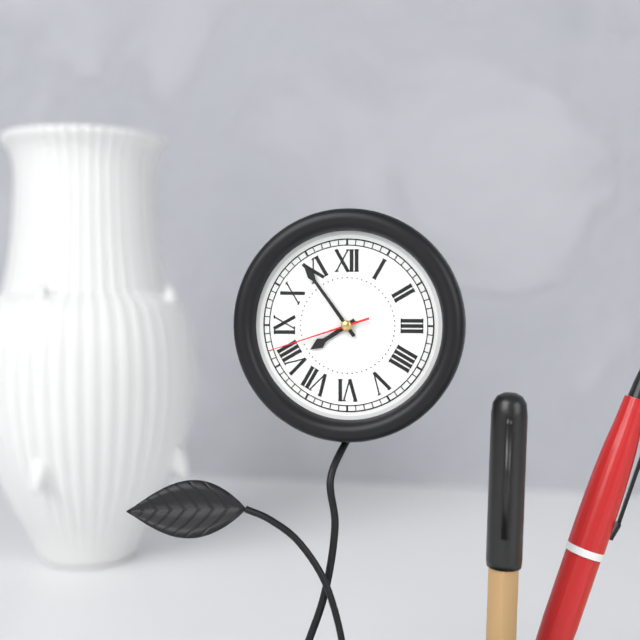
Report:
7h54m42s
